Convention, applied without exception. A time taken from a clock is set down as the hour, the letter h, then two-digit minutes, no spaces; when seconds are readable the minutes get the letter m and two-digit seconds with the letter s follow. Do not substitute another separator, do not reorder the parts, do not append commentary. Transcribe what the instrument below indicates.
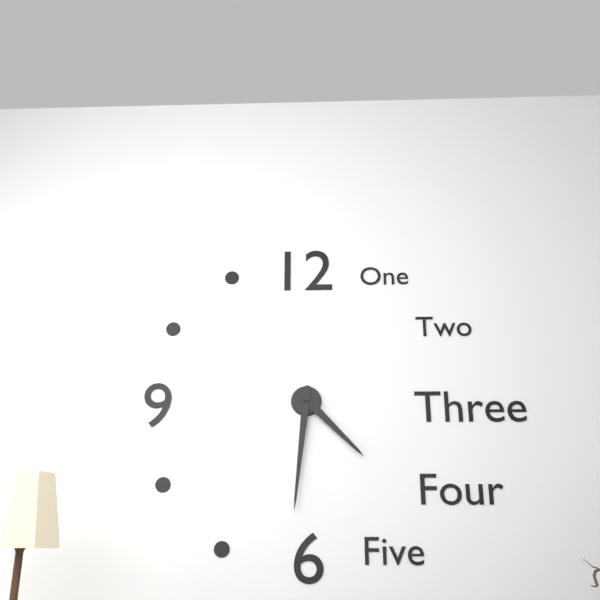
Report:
4h31
